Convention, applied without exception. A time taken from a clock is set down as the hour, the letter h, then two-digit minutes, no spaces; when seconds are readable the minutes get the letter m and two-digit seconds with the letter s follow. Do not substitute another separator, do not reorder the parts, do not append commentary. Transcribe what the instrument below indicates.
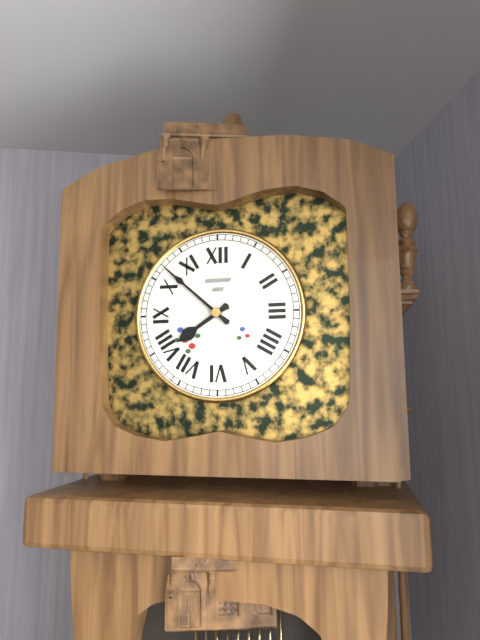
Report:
7h52
